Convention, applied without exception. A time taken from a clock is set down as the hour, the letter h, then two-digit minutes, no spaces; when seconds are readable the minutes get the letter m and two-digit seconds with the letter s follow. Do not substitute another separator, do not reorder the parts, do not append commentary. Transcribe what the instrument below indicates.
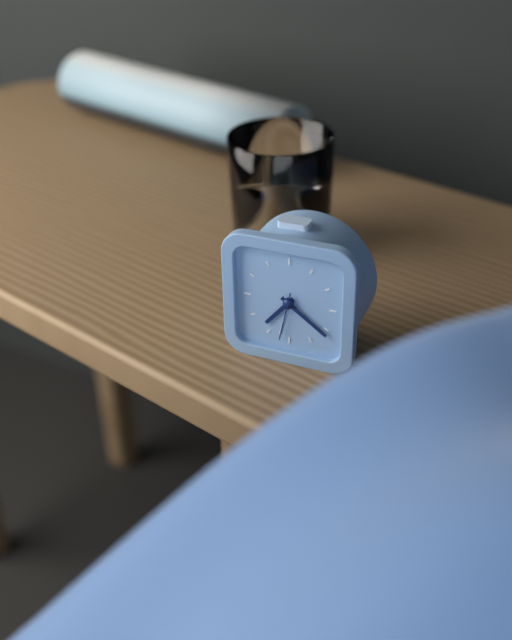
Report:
7h21
